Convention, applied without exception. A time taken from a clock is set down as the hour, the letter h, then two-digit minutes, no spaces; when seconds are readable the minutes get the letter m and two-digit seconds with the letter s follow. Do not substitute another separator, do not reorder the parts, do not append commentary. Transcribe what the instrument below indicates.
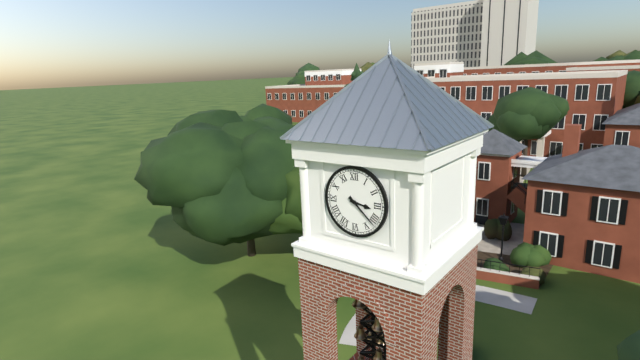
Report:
3h22
